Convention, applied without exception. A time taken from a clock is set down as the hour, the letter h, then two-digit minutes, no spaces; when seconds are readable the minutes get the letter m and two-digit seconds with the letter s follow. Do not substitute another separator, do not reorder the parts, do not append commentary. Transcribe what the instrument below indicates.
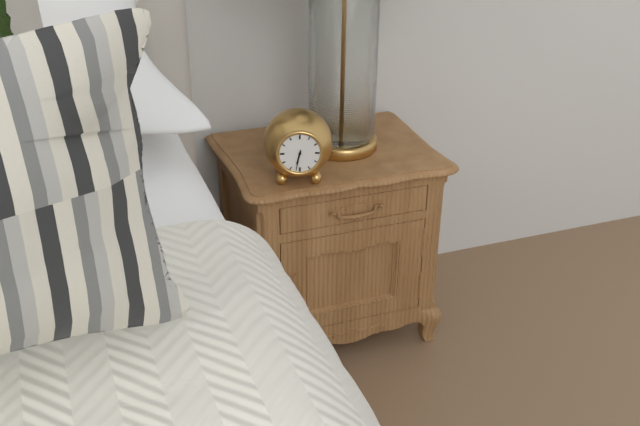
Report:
6h32
